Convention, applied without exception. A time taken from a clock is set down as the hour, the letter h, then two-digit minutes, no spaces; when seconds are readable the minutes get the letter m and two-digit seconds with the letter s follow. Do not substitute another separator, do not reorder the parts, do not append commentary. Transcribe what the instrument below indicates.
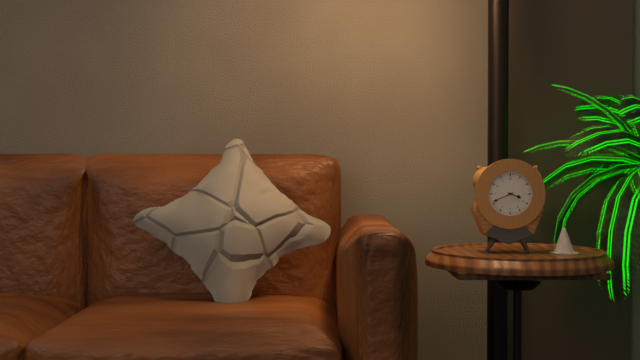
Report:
3h41
